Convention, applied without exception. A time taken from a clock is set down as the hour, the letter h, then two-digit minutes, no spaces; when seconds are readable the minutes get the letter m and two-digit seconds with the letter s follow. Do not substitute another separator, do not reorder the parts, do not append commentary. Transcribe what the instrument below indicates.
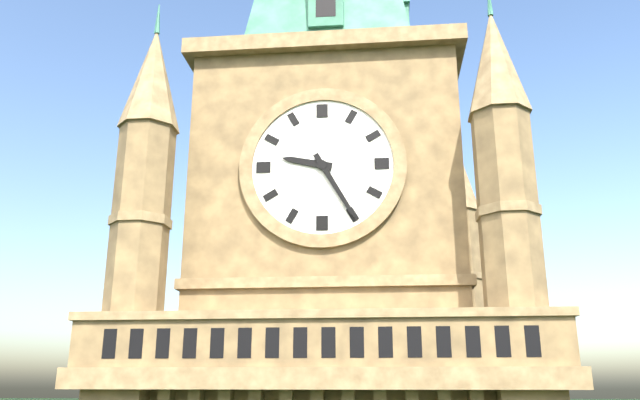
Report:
9h25
